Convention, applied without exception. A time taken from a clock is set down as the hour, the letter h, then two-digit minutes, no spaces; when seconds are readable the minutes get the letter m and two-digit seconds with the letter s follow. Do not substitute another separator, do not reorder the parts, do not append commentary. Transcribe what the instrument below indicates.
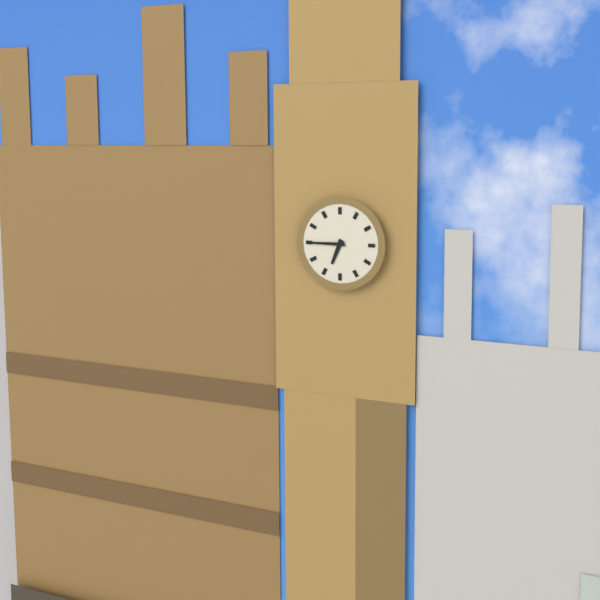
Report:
6h45
